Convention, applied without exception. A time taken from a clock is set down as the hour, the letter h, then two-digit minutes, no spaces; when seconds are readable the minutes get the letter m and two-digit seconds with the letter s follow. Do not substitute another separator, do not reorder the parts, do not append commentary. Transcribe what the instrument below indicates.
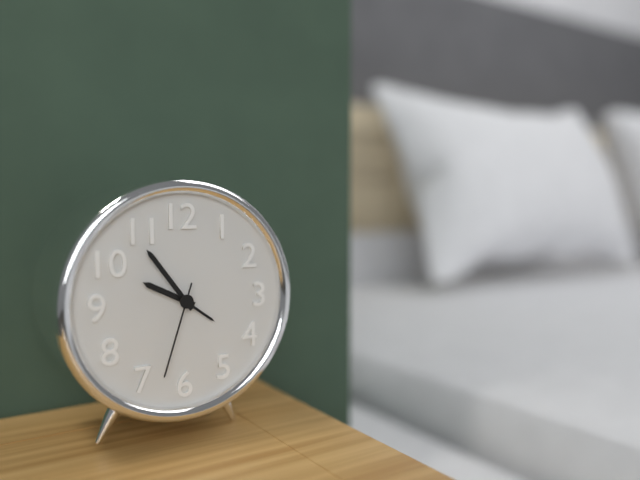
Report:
9h54m33s
